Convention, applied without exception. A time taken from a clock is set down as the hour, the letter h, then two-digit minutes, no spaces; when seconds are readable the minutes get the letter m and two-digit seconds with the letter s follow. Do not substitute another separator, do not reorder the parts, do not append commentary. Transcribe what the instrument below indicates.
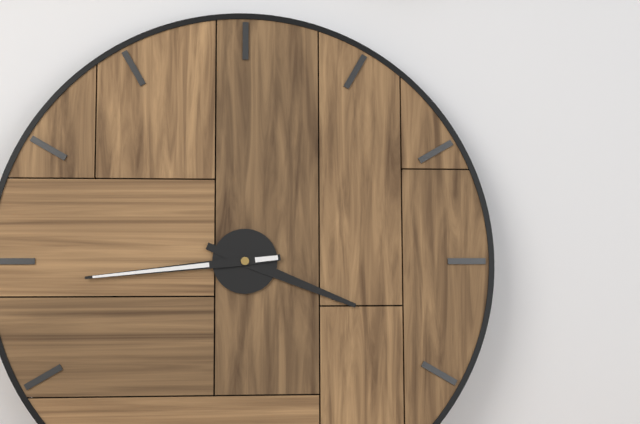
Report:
3h44
